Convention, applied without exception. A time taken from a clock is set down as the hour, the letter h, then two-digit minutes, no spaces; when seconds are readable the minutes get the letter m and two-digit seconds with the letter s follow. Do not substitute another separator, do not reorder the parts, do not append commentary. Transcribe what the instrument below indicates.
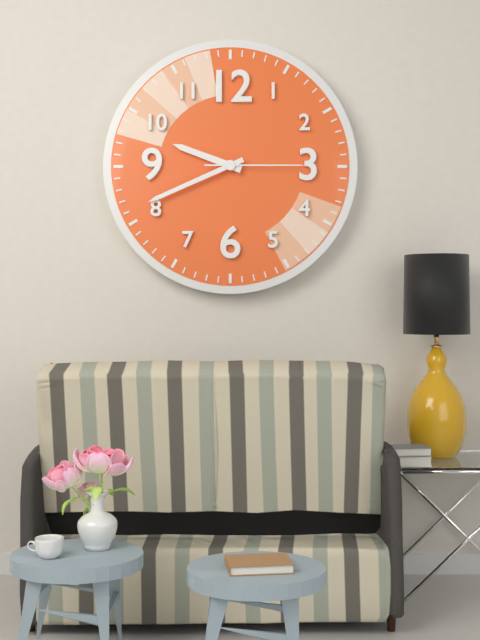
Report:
9h41m15s
